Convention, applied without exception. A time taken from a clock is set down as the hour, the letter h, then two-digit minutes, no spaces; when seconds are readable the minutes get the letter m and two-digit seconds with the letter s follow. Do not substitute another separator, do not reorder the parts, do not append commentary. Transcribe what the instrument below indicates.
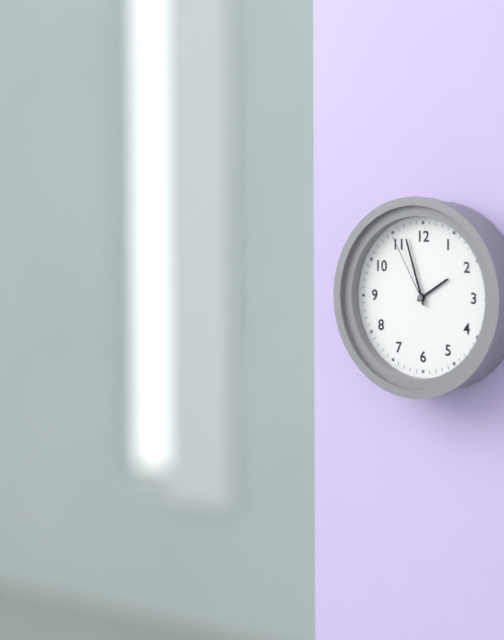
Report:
1h57m55s
